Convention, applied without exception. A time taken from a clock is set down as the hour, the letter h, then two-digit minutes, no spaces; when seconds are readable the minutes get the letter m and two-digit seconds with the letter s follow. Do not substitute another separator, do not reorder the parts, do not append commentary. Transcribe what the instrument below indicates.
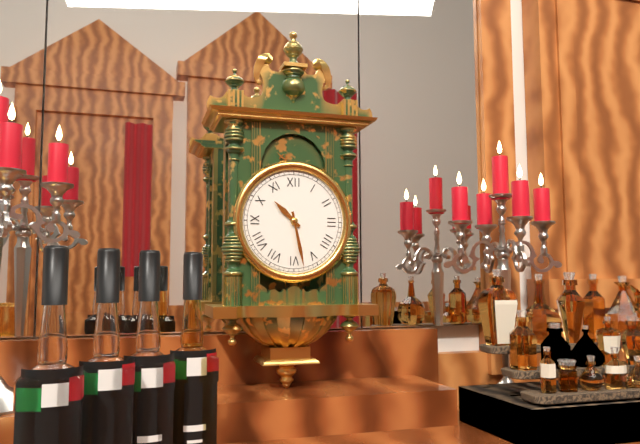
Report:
10h28
